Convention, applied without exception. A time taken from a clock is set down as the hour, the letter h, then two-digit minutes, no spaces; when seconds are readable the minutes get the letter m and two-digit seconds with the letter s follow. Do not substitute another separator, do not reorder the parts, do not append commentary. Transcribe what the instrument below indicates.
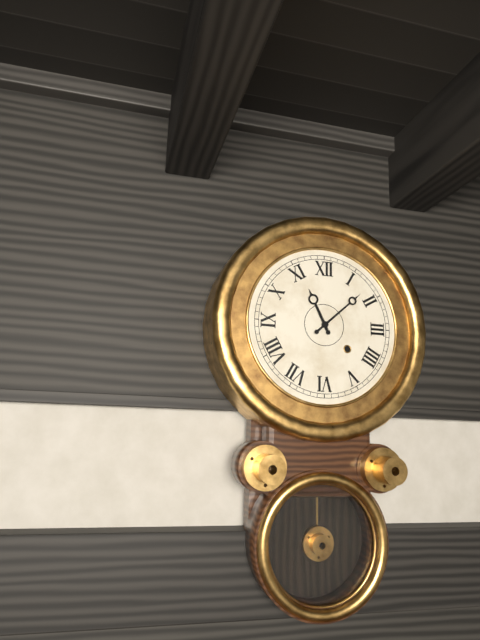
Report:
11h08
